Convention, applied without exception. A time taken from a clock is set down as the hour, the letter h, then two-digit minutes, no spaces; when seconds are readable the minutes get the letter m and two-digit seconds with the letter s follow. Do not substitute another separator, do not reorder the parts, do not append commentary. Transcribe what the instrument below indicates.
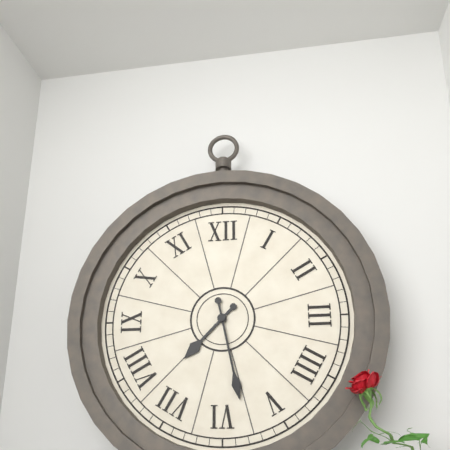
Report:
7h28
